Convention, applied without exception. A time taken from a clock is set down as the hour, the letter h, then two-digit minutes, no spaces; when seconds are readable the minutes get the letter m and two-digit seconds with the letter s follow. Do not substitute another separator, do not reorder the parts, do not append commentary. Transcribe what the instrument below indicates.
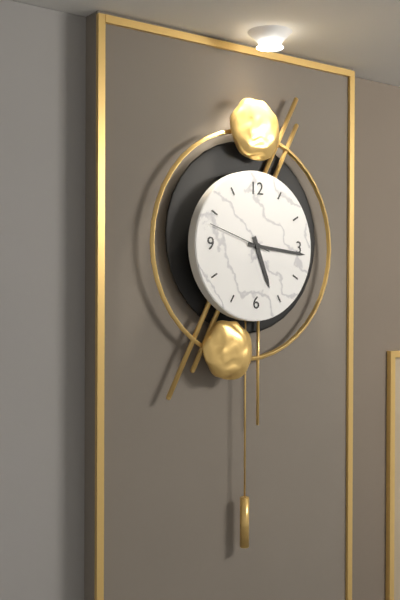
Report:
5h16m48s
